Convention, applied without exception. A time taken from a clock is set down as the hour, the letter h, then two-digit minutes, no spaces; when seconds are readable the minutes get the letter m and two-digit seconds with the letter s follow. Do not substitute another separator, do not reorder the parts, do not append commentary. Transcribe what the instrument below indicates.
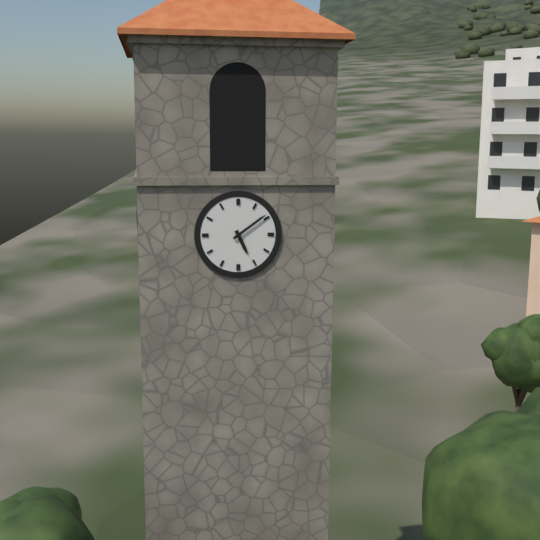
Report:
5h09
